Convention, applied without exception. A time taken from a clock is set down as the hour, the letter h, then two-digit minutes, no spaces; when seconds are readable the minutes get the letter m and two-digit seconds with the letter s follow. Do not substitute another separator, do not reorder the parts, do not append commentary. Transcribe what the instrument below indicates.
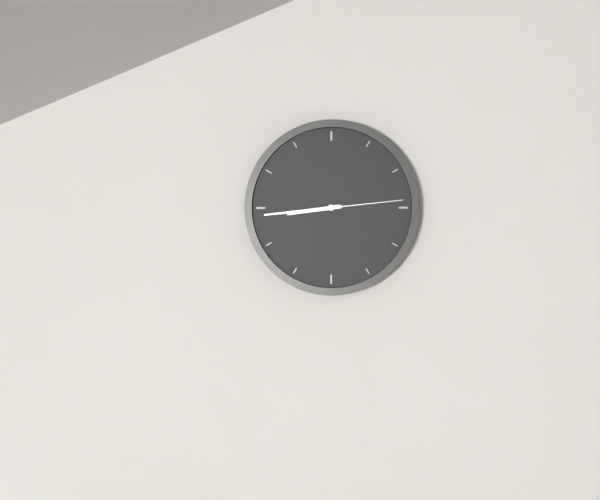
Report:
8h44m14s
